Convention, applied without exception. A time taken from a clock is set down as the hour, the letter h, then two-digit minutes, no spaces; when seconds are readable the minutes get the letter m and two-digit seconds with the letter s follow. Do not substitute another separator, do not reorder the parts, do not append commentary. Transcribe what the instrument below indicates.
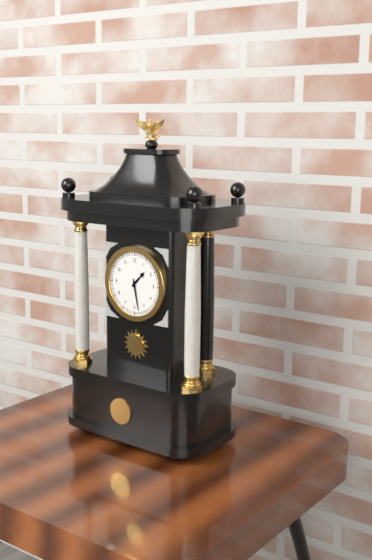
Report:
1h28
